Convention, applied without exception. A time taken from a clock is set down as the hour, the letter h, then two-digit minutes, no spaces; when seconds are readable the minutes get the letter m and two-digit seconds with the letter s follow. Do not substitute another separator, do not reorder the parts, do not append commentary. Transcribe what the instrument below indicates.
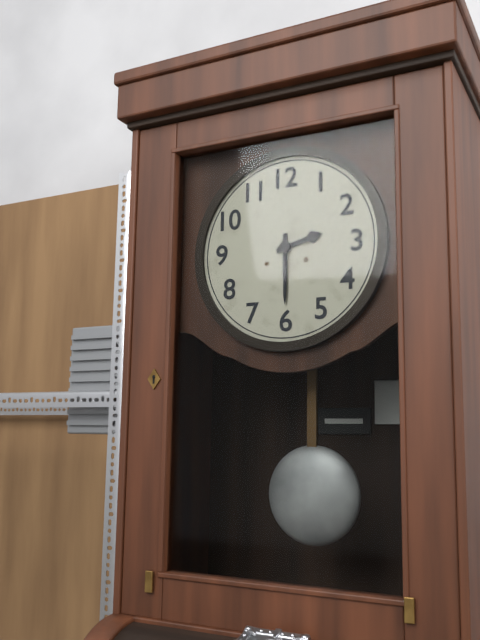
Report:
2h30
